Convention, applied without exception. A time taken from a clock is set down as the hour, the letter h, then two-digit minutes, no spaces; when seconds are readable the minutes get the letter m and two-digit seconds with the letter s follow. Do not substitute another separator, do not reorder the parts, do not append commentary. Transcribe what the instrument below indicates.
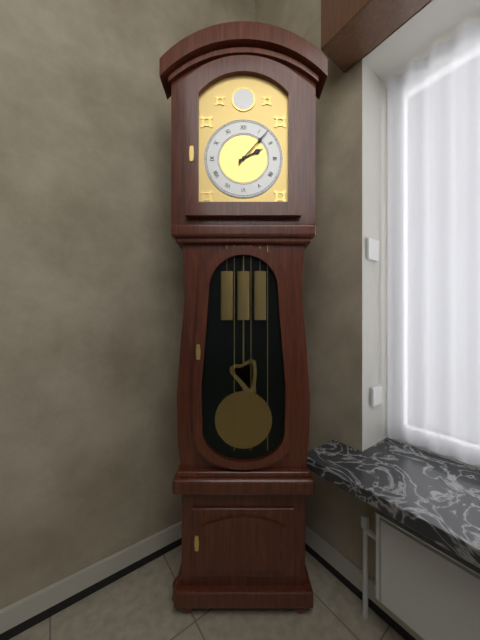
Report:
2h07
